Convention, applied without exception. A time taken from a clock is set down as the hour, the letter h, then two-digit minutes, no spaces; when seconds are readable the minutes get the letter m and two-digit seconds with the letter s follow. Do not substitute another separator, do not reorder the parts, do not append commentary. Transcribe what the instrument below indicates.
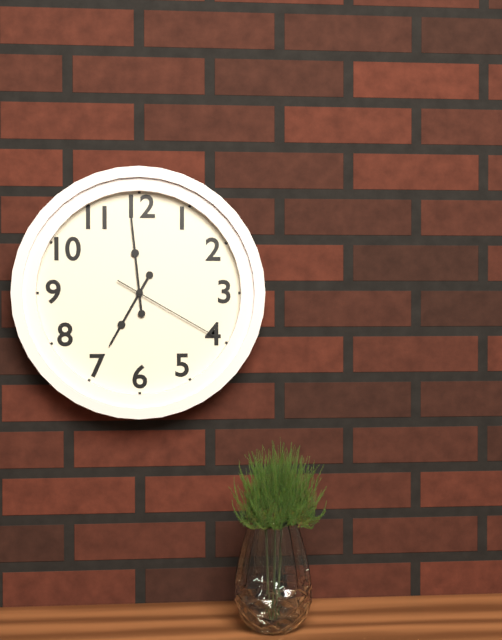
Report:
6h59m20s
